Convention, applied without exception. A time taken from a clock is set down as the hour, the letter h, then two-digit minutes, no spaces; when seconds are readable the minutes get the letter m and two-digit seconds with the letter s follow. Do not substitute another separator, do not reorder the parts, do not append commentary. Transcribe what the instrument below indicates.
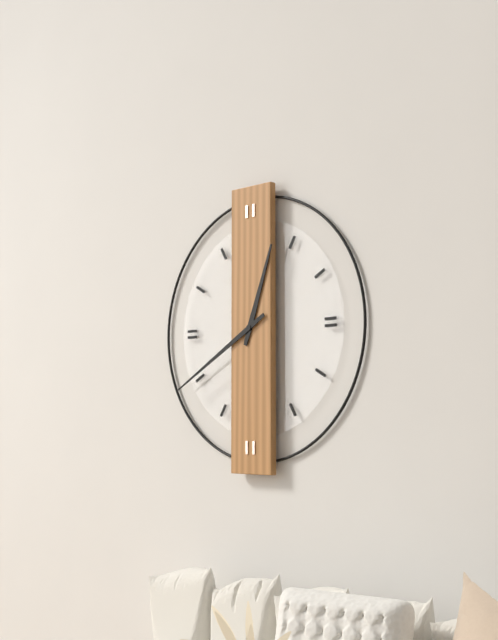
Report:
12h40
